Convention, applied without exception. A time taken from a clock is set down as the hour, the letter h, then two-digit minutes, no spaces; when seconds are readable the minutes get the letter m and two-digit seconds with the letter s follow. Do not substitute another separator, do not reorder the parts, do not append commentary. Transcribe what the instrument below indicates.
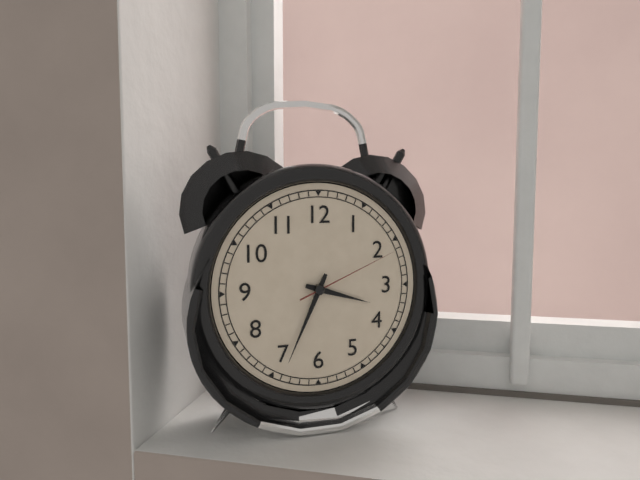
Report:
3h34m11s
